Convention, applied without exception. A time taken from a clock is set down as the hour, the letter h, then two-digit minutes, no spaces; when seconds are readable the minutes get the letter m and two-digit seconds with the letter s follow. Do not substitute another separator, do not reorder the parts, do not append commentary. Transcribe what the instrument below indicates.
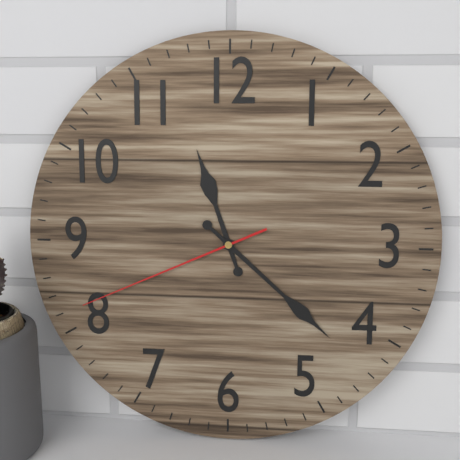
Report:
11h22m41s
